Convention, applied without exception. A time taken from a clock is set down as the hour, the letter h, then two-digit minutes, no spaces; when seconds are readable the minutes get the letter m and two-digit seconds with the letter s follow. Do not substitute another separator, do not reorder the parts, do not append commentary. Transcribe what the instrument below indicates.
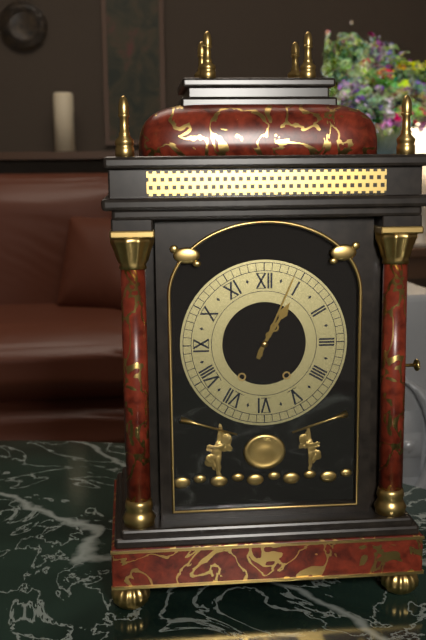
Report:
1h04
